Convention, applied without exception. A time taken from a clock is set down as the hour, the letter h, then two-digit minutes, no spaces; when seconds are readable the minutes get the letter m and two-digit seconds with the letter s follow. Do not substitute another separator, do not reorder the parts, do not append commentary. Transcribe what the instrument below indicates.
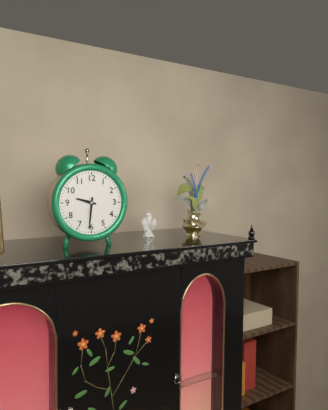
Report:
9h31
